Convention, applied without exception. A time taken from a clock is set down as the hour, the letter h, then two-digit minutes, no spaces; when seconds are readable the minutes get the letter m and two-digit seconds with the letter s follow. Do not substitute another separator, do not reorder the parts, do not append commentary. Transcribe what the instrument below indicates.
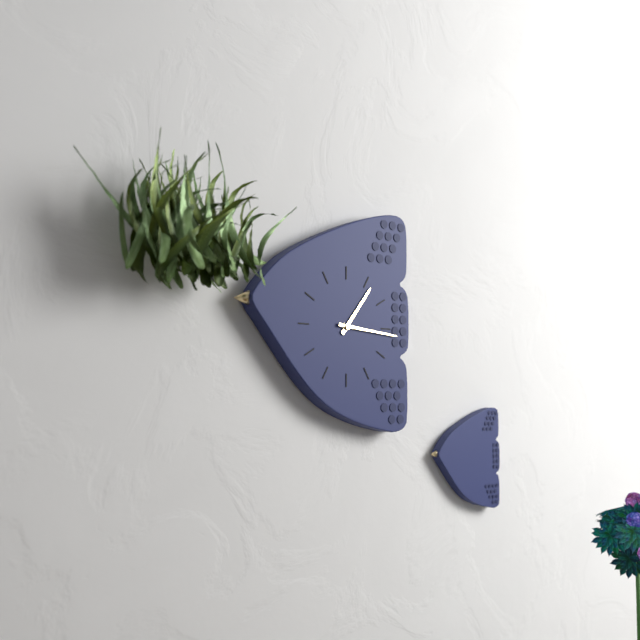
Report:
1h16
